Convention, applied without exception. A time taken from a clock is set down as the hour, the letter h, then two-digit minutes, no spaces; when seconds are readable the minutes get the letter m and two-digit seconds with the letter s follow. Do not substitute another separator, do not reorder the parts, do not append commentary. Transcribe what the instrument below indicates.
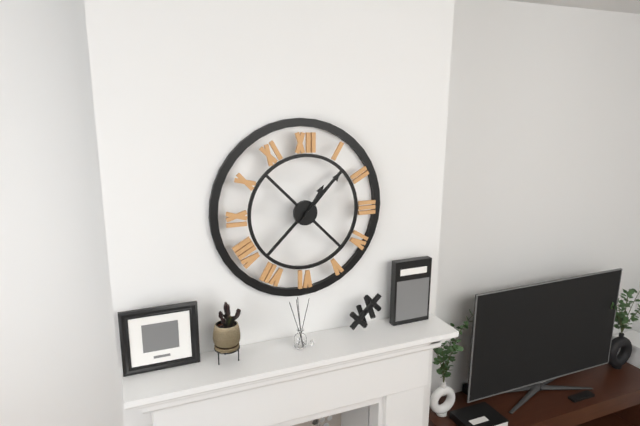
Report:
1h07
